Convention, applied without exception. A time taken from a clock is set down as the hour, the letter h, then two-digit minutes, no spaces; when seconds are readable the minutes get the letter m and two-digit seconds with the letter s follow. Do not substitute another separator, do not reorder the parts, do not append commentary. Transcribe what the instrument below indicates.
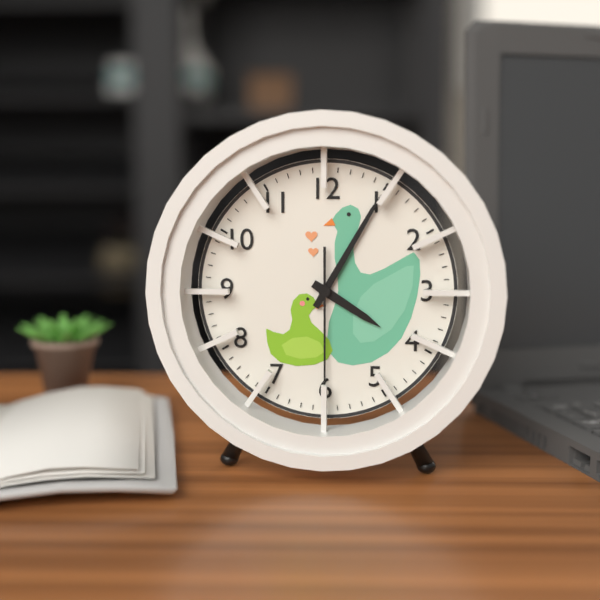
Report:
4h05m30s
